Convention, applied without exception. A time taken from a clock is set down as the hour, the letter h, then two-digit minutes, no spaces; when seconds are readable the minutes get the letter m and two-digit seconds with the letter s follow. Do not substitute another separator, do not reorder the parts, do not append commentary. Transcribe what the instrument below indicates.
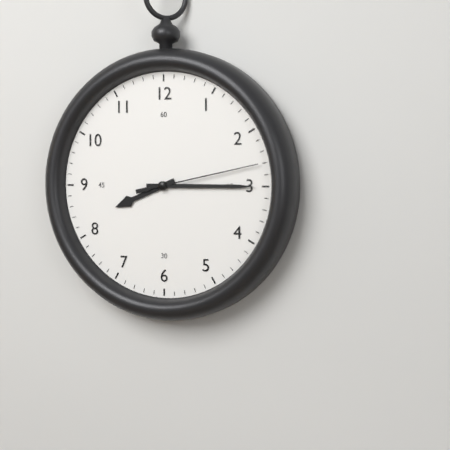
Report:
8h15m13s
